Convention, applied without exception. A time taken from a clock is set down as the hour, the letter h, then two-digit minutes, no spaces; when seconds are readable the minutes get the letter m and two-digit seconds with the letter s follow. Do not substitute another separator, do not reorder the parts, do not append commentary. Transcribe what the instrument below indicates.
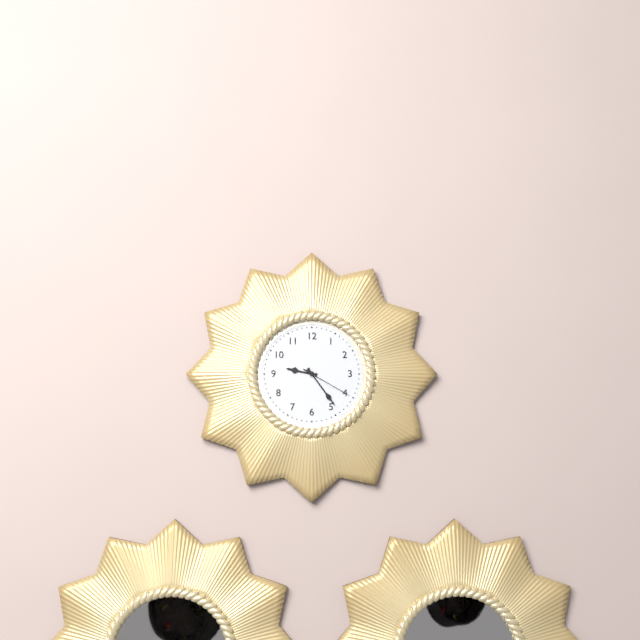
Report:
9h24m20s
